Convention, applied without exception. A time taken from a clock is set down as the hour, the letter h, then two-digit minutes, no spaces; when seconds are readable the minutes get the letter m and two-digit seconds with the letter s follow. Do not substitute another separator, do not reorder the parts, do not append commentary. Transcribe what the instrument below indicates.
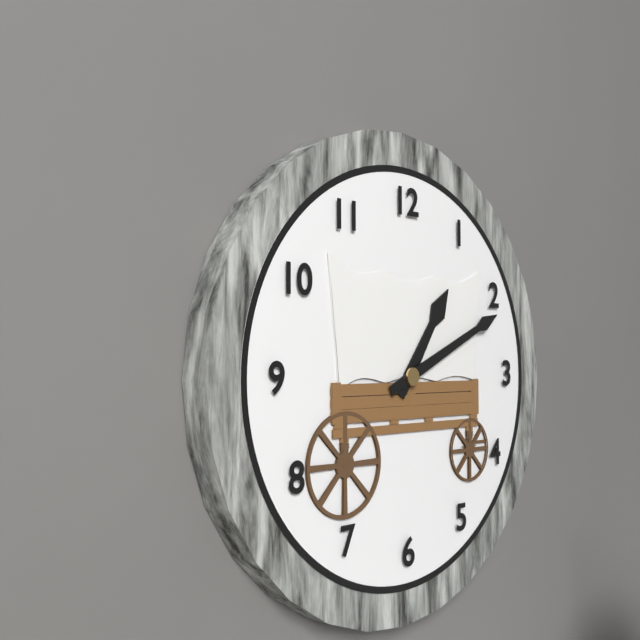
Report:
1h11
